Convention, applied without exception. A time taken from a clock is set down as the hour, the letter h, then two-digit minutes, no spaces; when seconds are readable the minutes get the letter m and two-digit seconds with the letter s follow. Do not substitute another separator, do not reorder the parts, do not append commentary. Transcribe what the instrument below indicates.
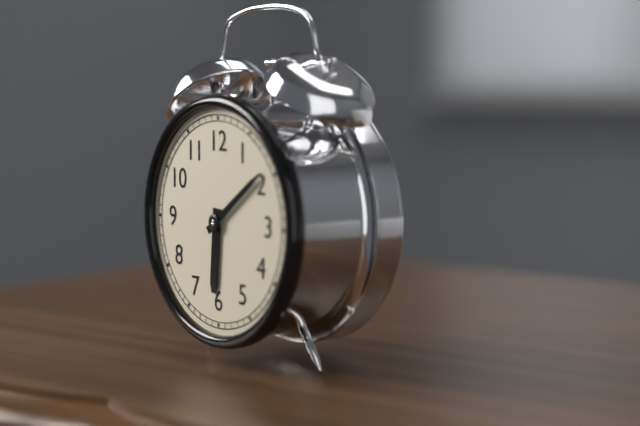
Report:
6h09
